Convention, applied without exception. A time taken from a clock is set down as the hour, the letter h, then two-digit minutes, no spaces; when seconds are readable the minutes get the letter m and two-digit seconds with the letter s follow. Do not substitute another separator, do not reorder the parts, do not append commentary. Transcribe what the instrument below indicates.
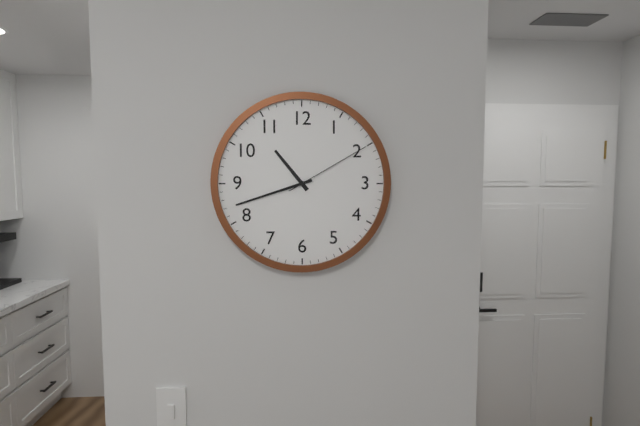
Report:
10h42m10s
